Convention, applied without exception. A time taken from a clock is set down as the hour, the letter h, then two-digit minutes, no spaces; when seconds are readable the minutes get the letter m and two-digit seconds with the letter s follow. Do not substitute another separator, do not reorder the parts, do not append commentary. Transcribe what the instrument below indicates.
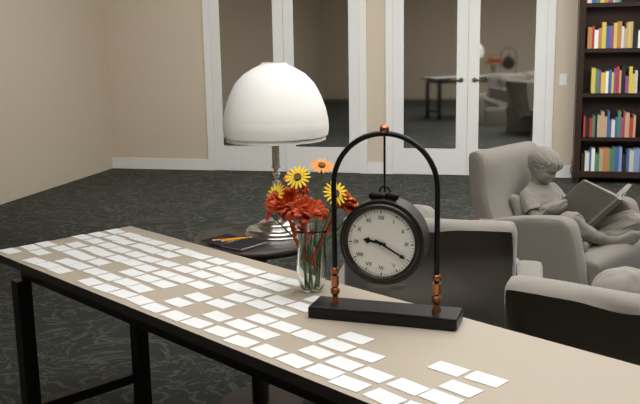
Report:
9h20
